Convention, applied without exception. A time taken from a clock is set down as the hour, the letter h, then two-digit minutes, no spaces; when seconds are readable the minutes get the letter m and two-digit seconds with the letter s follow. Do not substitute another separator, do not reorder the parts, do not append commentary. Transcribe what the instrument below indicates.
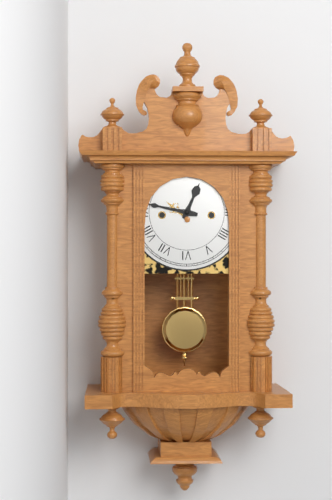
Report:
12h47
